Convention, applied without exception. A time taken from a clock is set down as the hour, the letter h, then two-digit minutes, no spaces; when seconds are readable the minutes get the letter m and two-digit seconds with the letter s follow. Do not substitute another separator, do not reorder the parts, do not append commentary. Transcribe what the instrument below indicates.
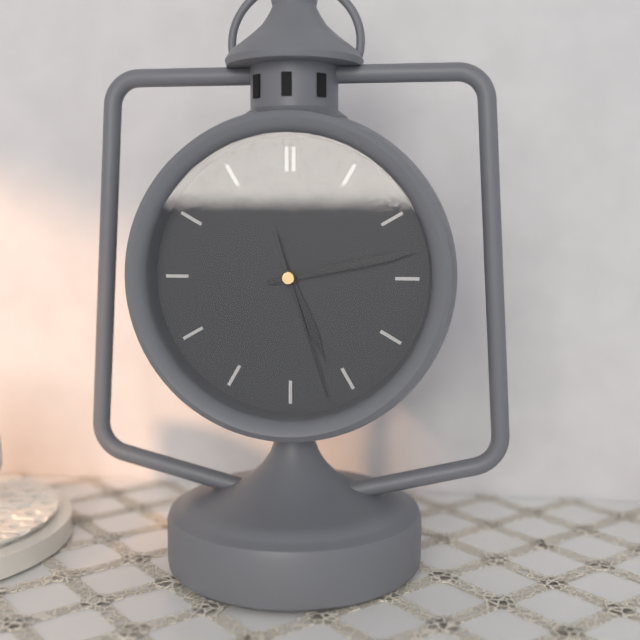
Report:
5h13m27s
